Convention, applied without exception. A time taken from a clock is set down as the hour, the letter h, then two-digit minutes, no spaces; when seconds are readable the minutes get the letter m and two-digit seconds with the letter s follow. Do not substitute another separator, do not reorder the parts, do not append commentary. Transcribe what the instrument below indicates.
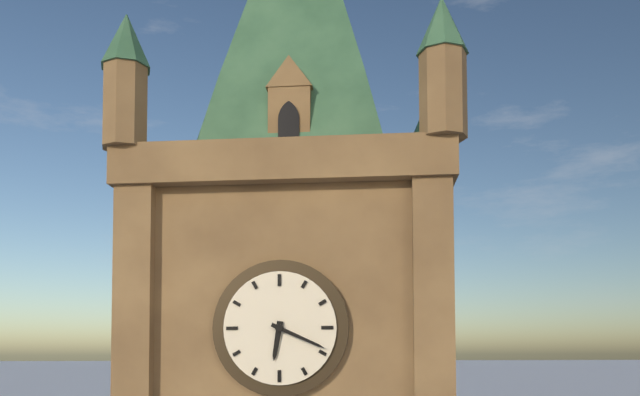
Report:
6h19
